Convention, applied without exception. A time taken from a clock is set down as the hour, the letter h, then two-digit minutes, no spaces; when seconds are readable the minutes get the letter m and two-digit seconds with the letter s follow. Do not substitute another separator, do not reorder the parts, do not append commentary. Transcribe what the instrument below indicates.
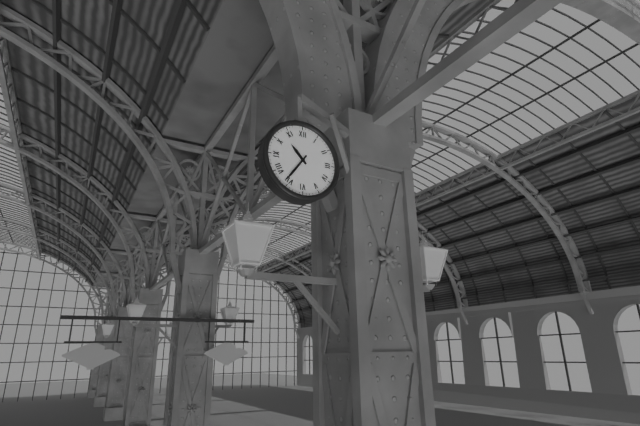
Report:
10h36
